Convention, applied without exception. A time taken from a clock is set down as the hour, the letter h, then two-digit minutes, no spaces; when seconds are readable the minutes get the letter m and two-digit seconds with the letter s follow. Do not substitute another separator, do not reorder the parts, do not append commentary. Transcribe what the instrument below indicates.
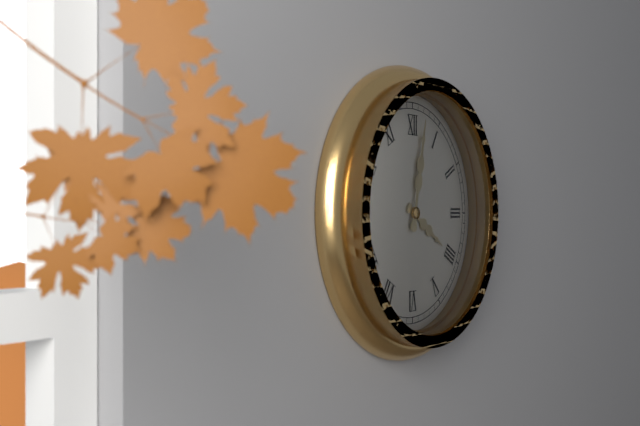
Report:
4h02
